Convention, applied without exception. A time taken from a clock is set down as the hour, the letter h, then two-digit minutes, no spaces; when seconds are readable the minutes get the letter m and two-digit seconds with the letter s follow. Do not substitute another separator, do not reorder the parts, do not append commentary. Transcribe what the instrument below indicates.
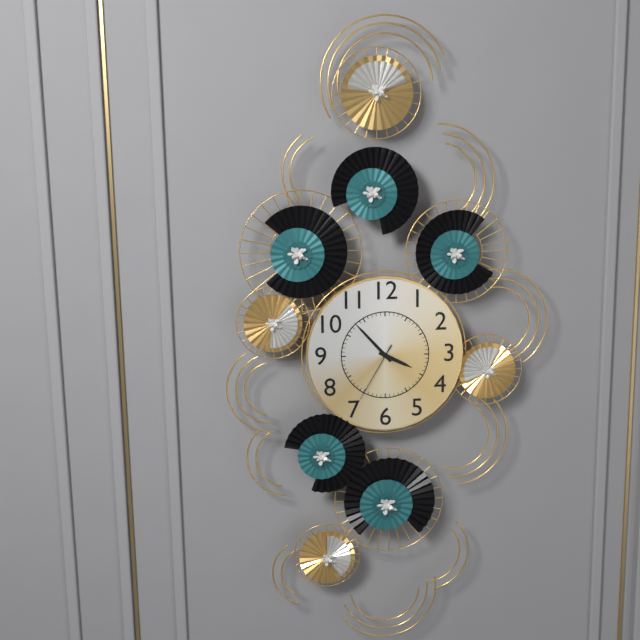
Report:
3h53m35s
